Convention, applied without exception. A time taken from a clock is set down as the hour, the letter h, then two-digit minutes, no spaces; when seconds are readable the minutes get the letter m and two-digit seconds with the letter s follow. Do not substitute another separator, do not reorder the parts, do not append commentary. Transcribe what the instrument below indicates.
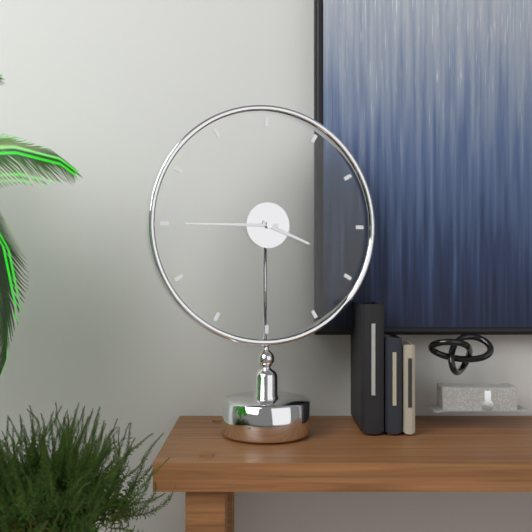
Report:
3h45
